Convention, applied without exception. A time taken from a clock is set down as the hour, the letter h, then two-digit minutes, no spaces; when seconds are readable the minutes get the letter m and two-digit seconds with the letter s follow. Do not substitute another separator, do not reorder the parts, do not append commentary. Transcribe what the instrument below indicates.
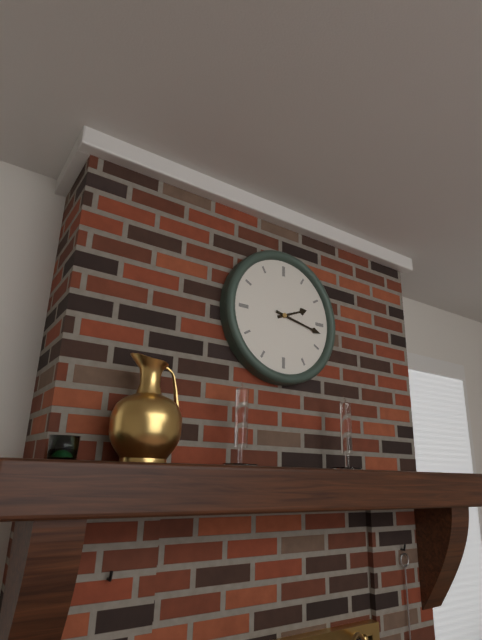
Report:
2h17
